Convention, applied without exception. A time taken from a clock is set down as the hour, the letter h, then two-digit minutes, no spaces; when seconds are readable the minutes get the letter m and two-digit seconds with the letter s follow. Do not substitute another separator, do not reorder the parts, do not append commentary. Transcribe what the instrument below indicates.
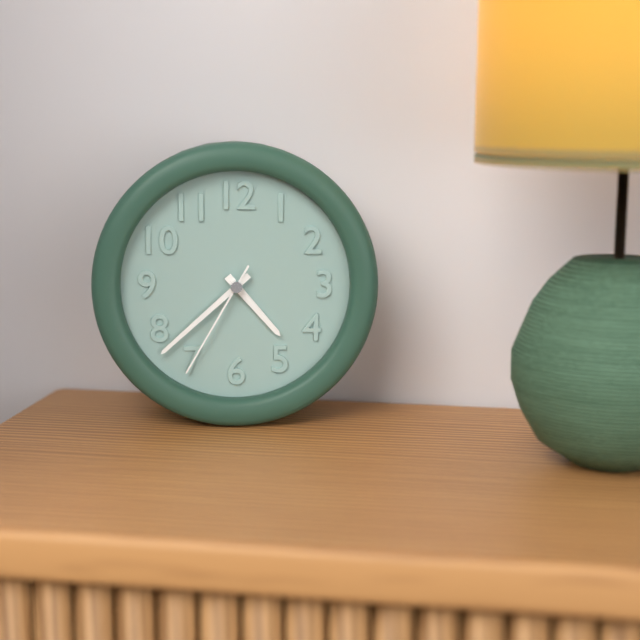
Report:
4h38m35s
